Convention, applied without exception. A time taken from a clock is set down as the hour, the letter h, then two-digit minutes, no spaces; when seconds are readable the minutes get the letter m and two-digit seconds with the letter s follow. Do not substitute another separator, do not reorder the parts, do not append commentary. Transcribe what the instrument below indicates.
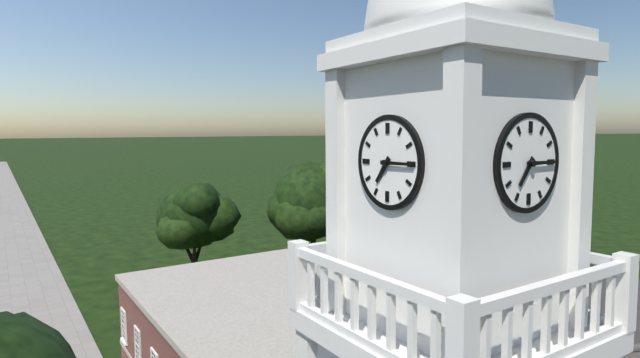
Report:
7h15
